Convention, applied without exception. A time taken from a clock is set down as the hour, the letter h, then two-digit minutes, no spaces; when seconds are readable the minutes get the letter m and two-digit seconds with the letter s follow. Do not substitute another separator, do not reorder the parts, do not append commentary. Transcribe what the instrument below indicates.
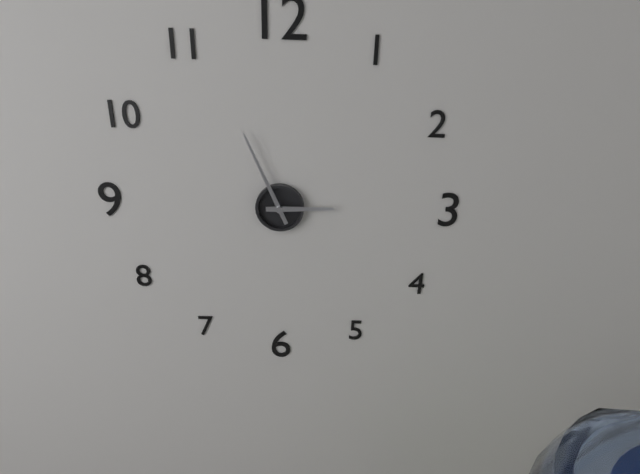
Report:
2h56
